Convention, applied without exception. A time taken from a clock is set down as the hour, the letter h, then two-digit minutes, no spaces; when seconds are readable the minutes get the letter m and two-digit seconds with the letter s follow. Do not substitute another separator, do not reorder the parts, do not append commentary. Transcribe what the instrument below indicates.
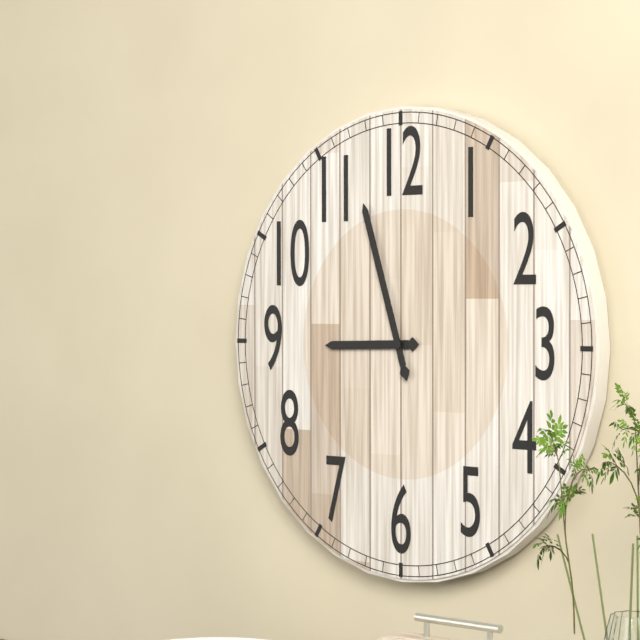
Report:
8h57
